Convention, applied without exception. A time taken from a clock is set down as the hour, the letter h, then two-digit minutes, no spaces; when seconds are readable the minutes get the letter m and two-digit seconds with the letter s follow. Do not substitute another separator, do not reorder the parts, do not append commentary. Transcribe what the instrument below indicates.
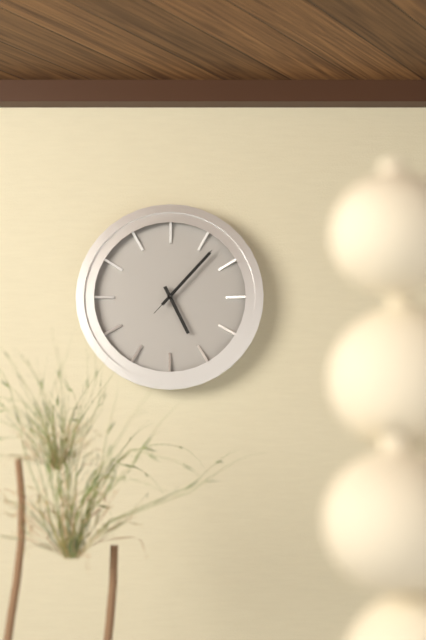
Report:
5h07m07s
